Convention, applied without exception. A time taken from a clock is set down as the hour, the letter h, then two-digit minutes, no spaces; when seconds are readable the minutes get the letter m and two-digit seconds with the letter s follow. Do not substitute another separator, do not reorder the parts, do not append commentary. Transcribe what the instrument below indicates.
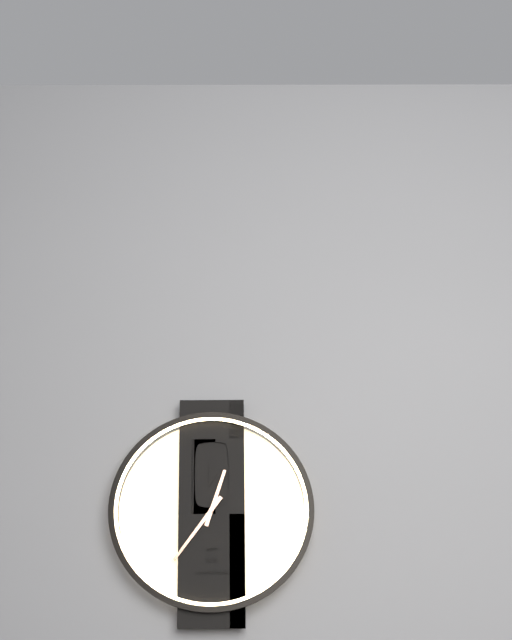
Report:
12h36
